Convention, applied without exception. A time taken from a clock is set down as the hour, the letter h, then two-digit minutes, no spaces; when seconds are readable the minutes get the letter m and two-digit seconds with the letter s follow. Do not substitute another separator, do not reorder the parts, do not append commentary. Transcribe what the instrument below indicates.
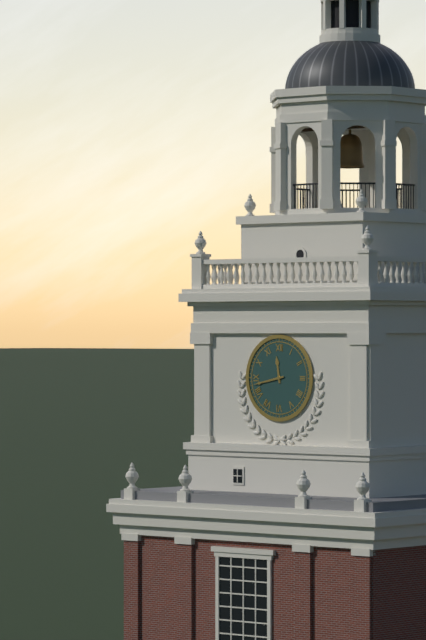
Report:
11h43
